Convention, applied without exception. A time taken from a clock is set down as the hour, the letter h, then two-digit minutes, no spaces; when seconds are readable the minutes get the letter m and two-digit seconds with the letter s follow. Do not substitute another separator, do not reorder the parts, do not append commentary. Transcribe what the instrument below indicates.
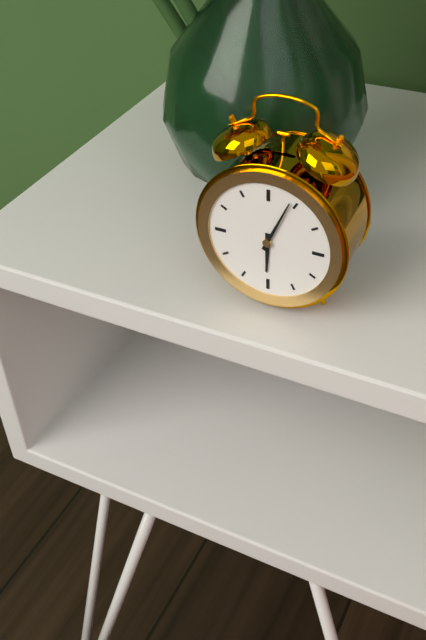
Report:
6h04
